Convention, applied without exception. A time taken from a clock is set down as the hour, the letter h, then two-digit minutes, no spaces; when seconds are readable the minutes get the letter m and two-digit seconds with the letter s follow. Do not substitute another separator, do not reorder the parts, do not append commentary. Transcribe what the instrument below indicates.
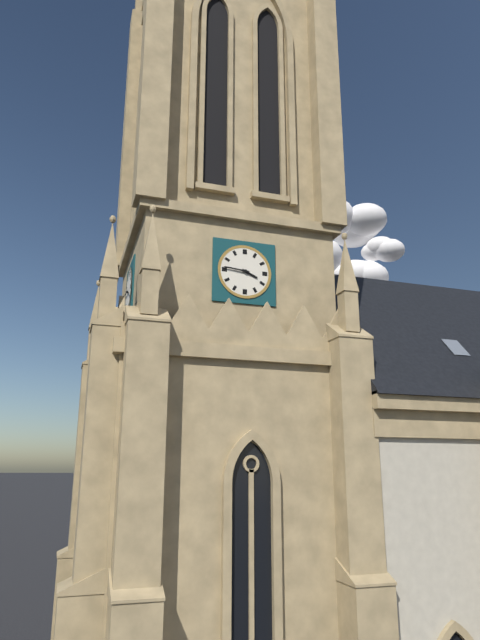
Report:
3h46
